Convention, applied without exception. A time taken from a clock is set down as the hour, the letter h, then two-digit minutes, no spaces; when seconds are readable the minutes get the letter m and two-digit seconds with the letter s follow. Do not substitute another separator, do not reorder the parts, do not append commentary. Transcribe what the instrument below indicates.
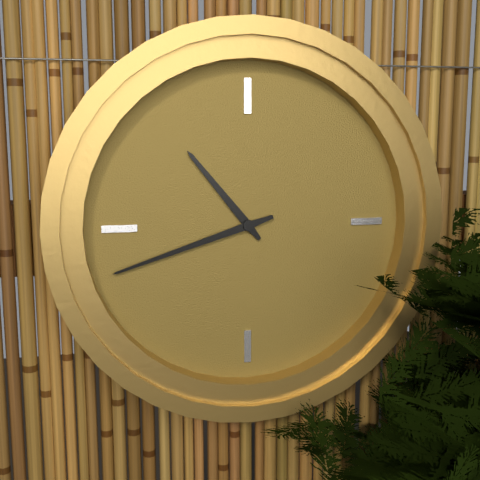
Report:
10h42
